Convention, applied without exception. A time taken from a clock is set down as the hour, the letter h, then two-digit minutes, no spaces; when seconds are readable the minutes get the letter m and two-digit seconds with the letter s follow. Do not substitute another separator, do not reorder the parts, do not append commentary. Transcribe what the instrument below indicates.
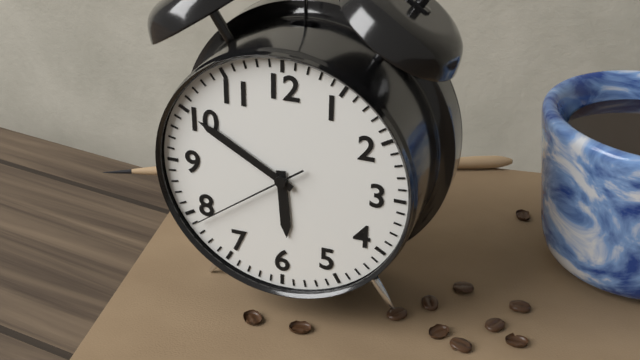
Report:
5h50m39s
